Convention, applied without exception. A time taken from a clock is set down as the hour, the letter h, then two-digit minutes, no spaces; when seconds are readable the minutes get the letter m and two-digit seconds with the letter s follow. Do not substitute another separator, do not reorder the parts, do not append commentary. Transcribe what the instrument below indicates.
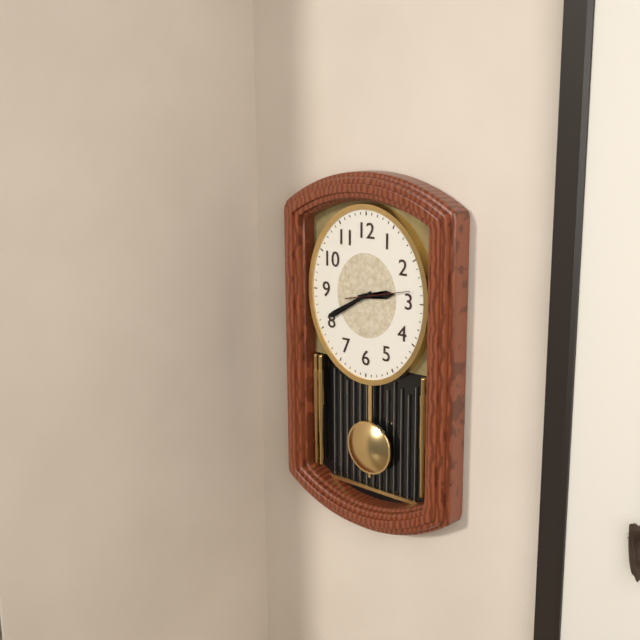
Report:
2h40m13s
